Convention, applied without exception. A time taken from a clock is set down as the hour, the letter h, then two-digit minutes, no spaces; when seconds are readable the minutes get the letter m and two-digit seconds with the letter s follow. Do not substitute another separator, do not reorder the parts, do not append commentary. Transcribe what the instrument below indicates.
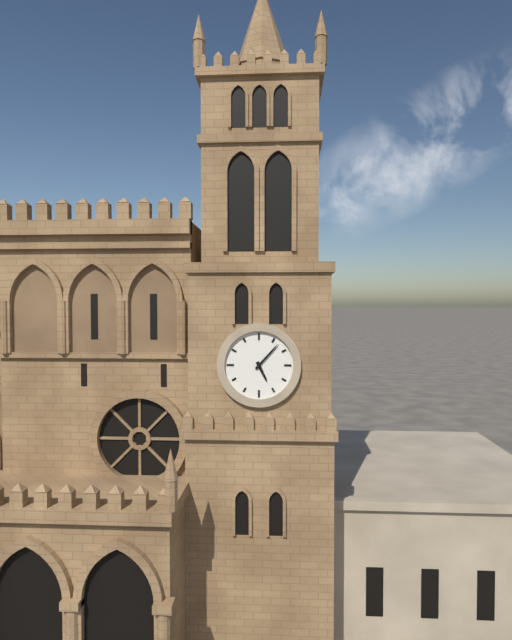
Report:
5h07
